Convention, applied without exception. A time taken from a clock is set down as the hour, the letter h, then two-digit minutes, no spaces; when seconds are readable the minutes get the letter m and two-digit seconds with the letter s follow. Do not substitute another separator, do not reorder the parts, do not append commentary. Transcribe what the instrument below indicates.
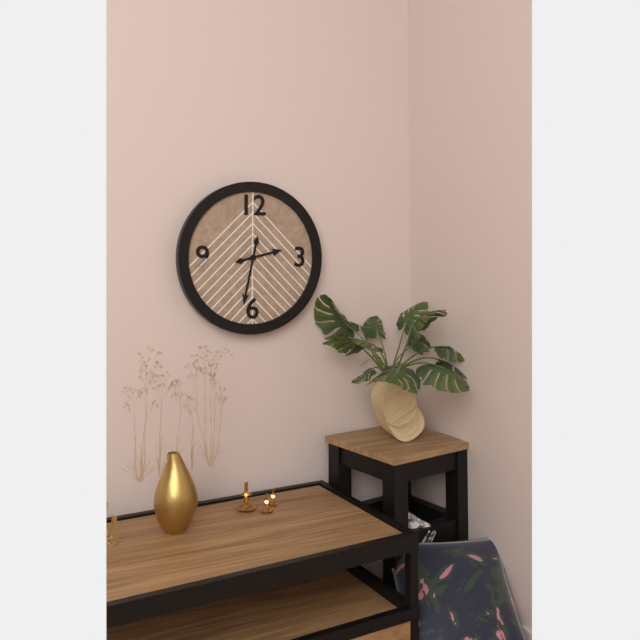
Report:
2h32
